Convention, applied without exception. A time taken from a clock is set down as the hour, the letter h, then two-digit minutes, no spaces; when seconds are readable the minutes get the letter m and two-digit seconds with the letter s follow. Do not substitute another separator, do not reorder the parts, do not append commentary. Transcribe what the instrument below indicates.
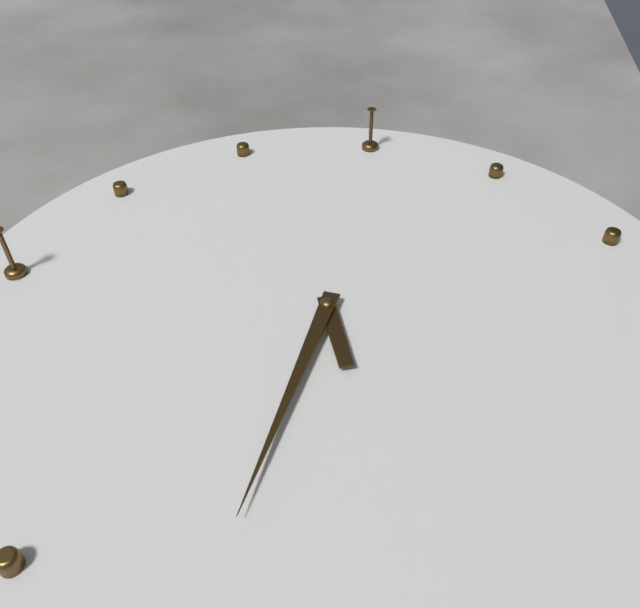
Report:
2h16
